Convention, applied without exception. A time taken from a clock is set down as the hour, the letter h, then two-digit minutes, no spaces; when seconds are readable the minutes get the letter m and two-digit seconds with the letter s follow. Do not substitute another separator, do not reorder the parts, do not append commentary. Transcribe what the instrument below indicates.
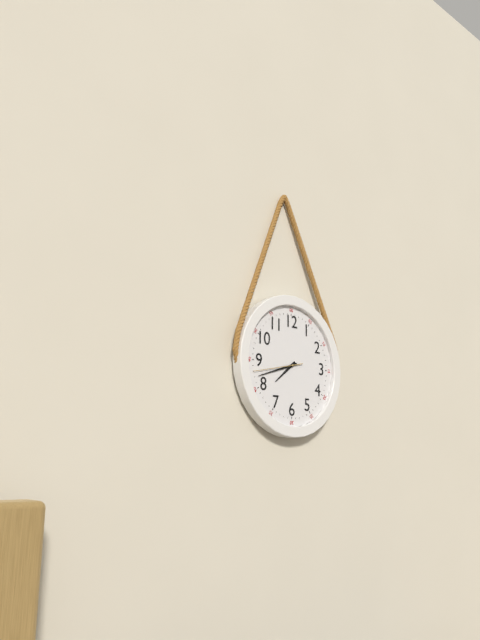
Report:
7h42
